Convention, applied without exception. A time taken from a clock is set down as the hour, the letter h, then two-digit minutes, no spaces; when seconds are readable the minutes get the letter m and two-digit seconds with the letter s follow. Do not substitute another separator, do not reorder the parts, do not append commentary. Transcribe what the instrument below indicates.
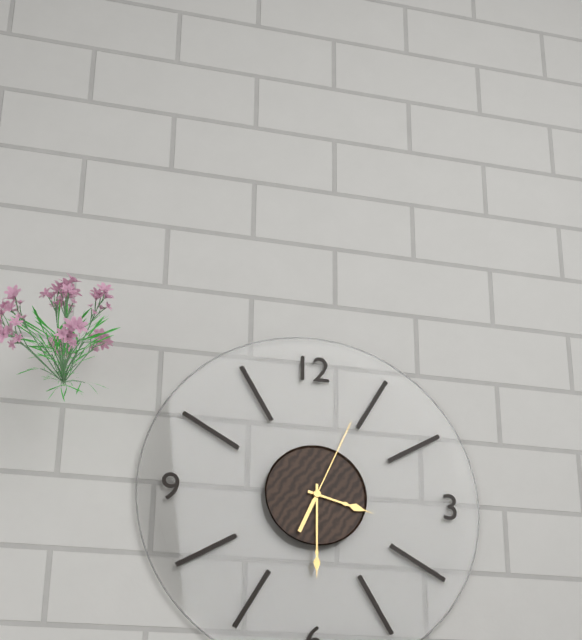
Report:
3h30m04s
